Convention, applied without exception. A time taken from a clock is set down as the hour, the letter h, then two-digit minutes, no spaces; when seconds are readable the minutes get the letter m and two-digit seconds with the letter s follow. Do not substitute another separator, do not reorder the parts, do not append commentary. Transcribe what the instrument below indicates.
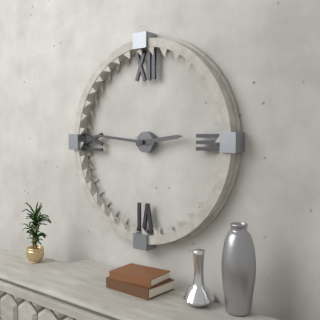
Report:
2h46
